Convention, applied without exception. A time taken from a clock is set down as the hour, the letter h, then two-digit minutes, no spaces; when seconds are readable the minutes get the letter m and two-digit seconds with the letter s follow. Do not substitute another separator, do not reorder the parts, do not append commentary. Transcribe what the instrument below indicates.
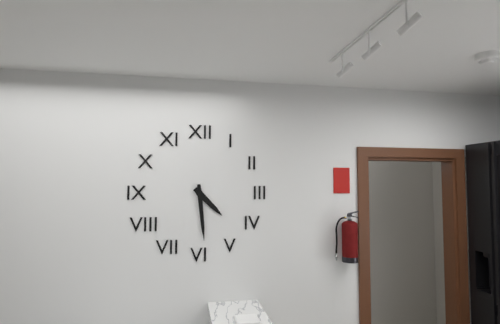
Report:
4h29
